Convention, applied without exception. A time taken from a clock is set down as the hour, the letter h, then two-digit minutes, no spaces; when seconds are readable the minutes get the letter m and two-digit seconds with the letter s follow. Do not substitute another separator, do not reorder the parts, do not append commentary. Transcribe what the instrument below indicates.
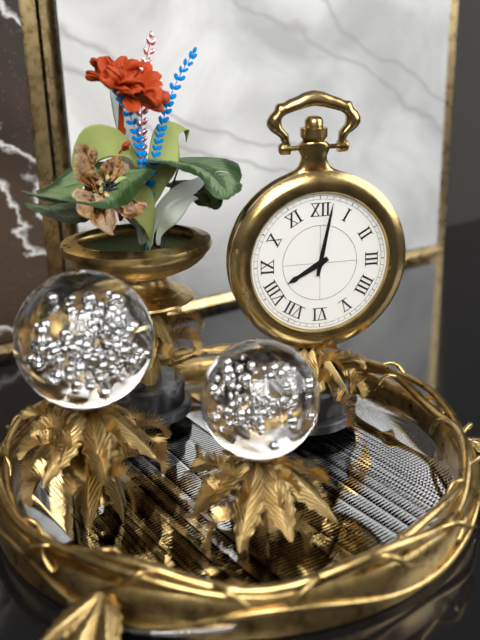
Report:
8h02
